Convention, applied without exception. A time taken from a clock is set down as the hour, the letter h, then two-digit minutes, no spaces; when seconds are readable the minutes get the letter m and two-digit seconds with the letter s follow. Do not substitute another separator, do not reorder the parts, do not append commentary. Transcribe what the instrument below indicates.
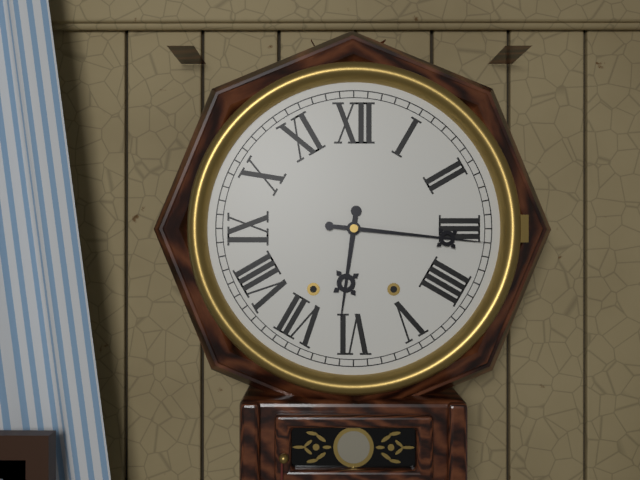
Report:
6h16
